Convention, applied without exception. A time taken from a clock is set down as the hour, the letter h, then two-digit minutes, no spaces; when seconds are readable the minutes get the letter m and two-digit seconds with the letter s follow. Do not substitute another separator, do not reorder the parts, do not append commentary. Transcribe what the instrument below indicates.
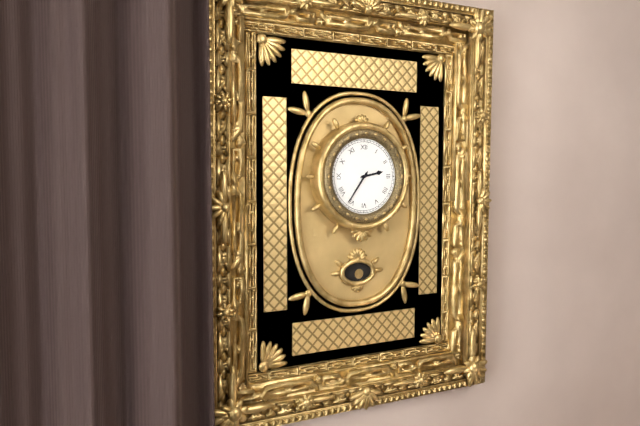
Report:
2h36
